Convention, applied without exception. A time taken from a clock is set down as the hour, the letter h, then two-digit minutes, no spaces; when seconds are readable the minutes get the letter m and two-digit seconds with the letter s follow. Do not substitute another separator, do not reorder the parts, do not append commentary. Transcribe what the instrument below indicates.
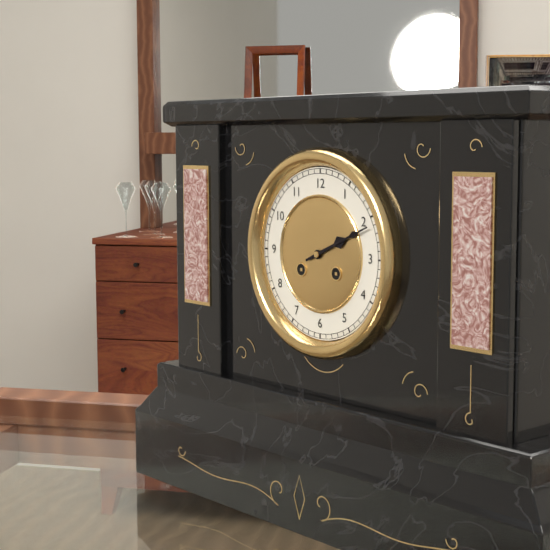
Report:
2h11
